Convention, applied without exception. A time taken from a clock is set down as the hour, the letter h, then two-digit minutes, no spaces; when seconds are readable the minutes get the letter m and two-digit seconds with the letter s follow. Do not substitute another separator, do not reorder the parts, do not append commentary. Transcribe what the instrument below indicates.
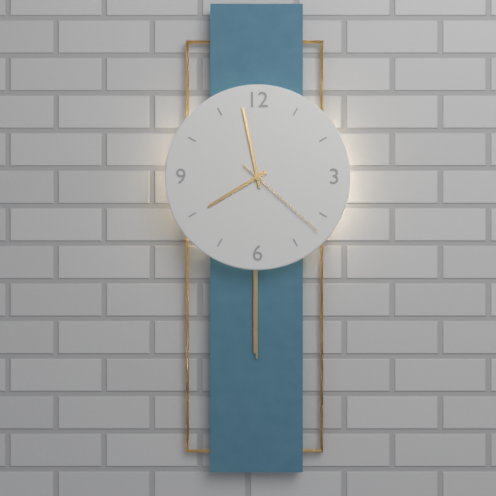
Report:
7h58m22s
